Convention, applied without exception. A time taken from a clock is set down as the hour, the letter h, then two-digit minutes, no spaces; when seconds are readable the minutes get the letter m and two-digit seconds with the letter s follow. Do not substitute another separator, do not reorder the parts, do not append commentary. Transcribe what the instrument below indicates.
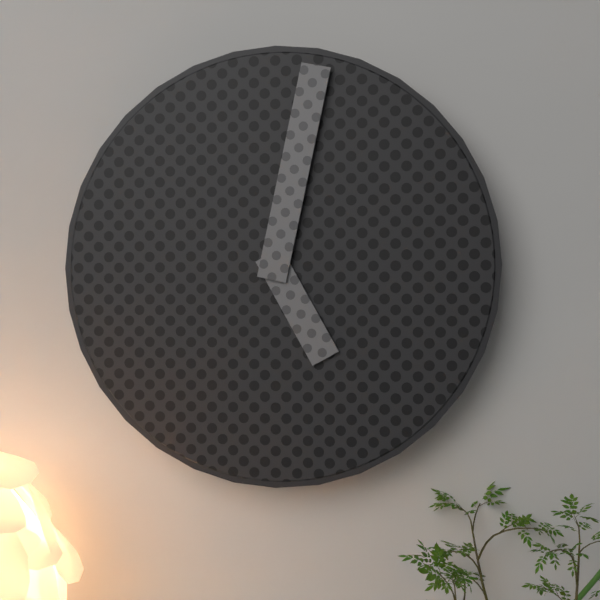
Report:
5h02
